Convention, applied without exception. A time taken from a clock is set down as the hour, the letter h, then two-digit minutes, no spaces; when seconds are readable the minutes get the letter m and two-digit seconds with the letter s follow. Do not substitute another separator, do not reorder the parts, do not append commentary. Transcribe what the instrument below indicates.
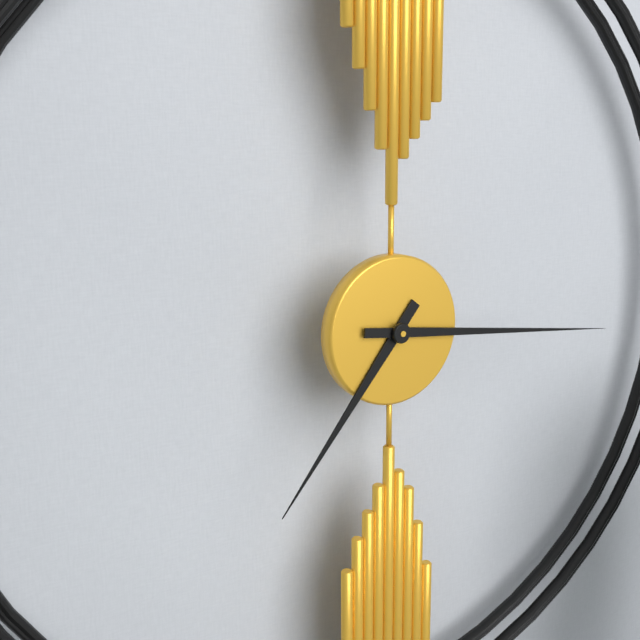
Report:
7h16
